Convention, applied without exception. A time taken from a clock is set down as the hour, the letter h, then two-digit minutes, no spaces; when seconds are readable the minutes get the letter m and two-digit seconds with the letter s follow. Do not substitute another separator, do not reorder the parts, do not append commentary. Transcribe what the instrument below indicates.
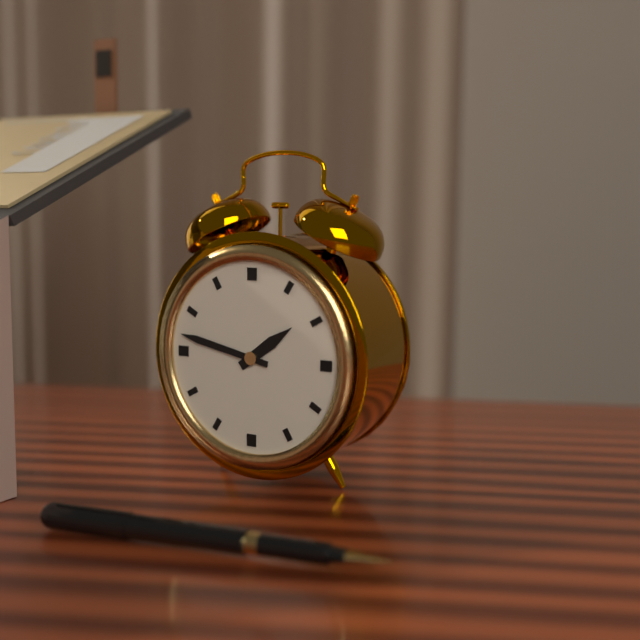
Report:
1h47
